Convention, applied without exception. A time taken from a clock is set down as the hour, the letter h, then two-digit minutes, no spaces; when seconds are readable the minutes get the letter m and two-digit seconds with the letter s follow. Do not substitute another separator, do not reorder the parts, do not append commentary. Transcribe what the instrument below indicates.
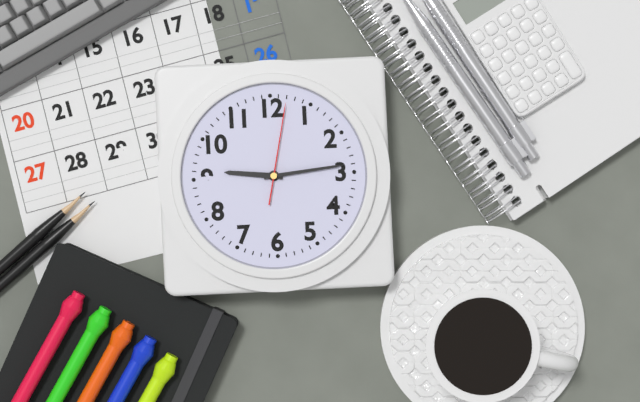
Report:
9h14m02s
